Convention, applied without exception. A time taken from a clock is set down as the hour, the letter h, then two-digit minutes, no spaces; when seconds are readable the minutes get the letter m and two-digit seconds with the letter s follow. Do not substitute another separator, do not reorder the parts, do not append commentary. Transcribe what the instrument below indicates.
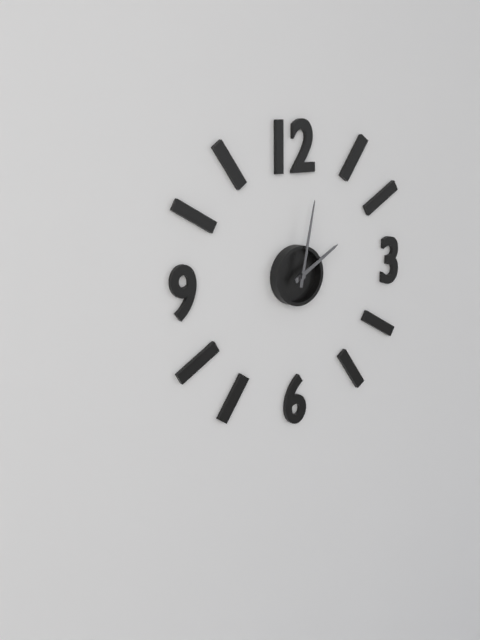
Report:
2h02
